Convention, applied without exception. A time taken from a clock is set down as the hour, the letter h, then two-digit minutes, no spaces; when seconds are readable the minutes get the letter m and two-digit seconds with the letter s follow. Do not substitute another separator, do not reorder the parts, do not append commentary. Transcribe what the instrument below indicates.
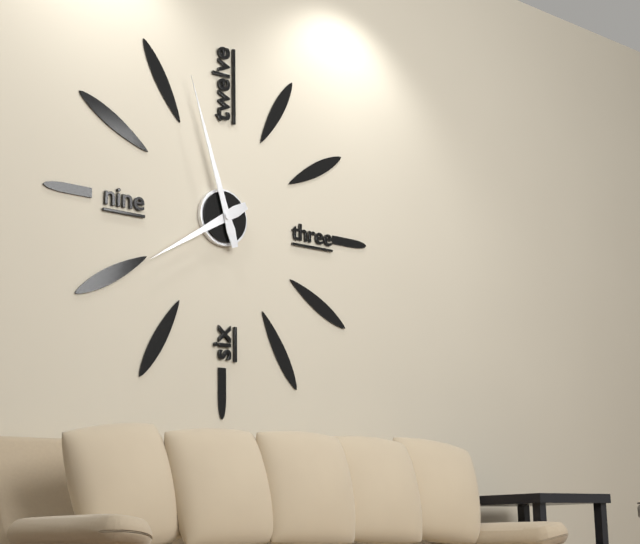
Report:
7h57
